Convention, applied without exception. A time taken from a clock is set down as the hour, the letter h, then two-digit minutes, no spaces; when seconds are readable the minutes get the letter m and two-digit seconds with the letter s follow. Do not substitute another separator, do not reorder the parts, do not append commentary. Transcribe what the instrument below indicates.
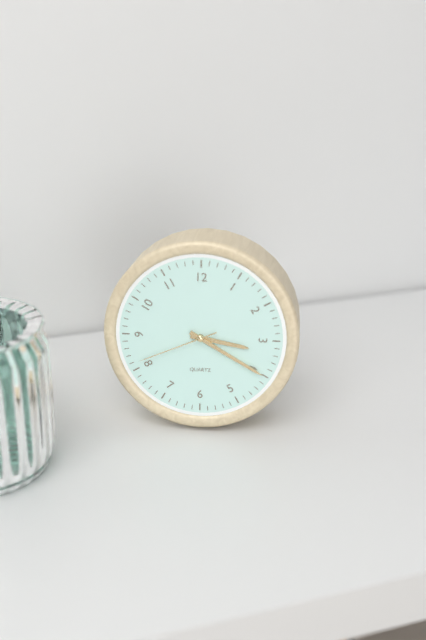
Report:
3h20m41s
